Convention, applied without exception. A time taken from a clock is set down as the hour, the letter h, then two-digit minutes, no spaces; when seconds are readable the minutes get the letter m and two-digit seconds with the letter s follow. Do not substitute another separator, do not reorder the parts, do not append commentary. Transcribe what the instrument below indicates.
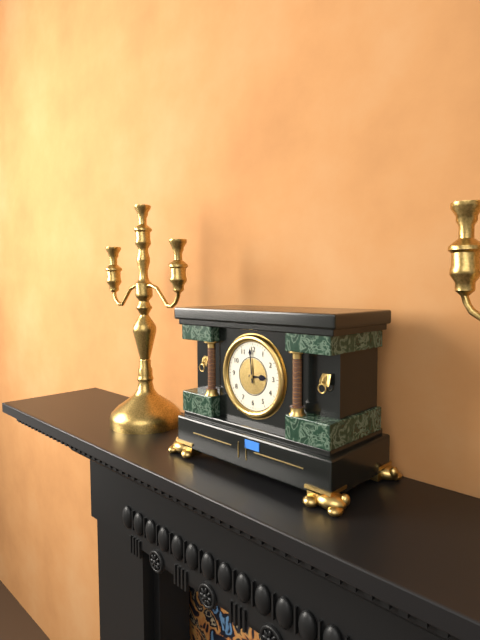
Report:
2h59
